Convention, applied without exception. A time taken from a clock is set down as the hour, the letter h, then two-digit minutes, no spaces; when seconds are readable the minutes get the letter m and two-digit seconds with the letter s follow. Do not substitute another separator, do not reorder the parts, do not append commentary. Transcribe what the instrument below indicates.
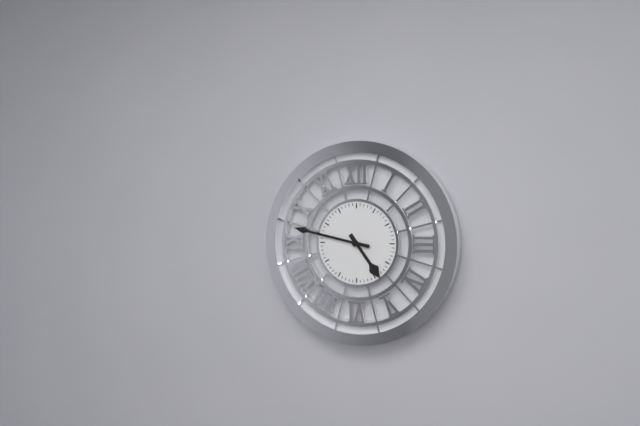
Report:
4h47
